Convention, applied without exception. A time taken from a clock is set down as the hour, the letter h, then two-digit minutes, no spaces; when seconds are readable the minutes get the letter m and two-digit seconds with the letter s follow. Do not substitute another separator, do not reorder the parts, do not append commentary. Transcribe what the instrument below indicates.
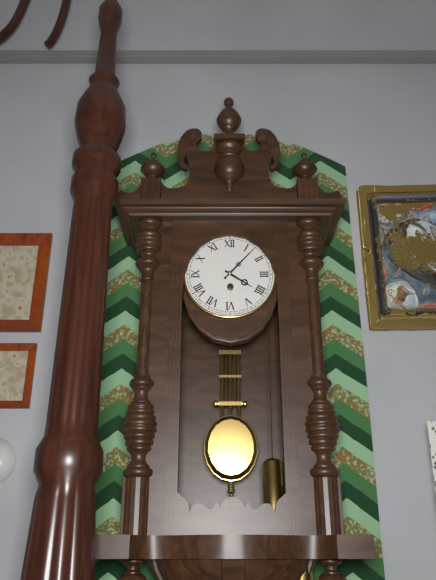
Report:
4h07
